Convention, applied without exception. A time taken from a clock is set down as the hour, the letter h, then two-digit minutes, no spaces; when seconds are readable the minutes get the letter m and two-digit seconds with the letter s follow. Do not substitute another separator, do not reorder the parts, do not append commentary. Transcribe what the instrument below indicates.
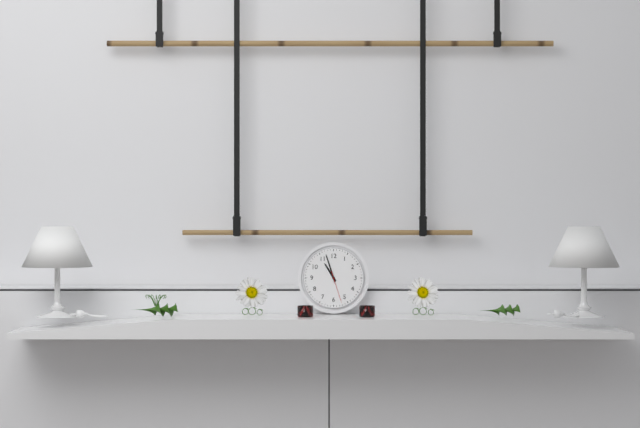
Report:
10h57
